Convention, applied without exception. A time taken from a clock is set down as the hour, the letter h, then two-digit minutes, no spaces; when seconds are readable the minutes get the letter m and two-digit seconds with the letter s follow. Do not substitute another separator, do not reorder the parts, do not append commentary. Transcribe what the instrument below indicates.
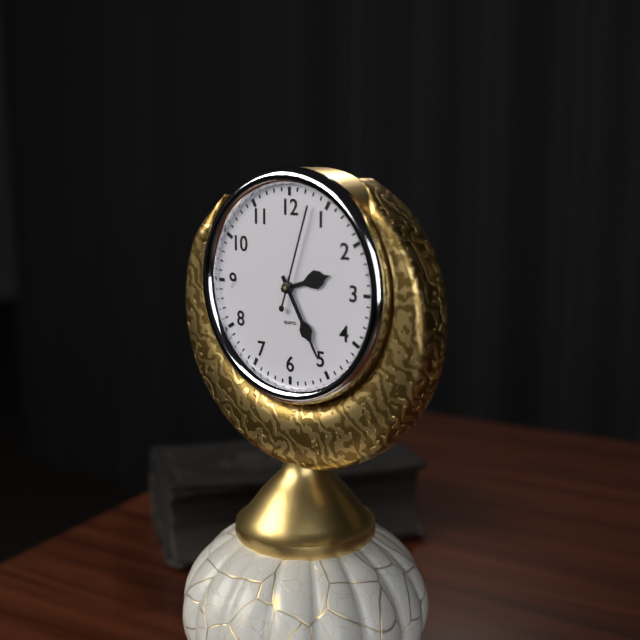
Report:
2h25m03s
